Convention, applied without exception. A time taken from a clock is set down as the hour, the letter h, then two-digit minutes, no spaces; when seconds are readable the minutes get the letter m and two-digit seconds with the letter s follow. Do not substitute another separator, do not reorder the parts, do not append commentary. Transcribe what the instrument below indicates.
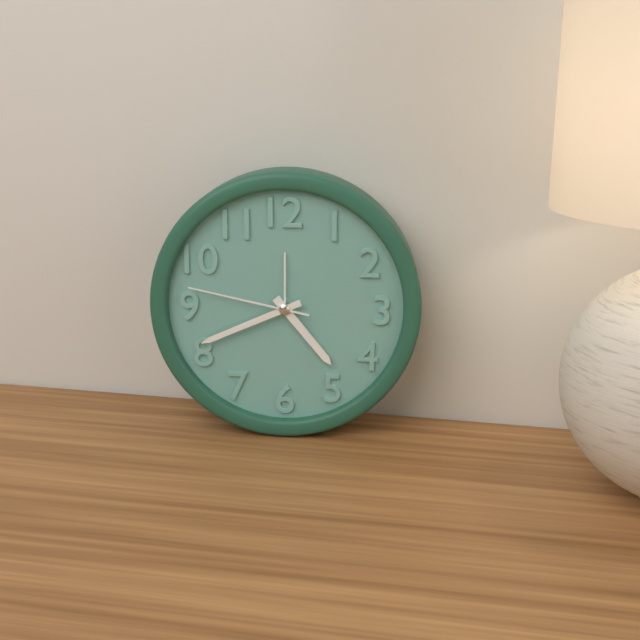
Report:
4h41m47s
